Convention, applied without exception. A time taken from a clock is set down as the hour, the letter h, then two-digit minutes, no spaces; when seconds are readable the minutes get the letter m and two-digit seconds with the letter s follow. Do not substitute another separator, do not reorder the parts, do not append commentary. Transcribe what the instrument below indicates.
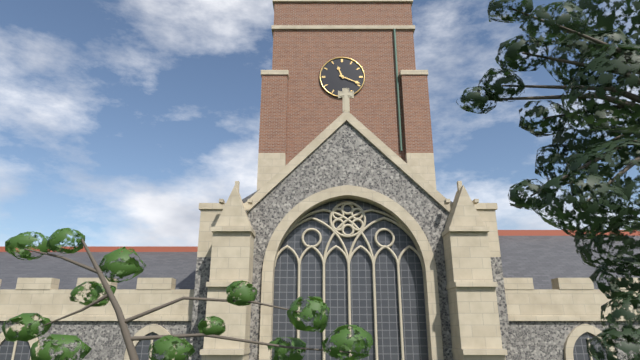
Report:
11h19
